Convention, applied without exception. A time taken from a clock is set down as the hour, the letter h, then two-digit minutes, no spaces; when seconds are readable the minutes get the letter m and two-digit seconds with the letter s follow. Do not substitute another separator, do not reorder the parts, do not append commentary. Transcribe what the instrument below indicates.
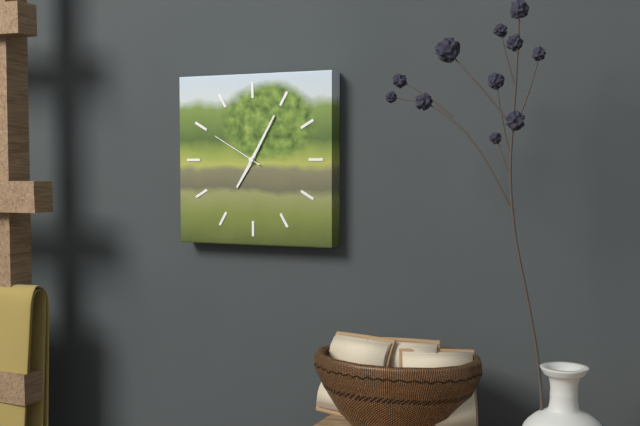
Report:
7h05m50s
